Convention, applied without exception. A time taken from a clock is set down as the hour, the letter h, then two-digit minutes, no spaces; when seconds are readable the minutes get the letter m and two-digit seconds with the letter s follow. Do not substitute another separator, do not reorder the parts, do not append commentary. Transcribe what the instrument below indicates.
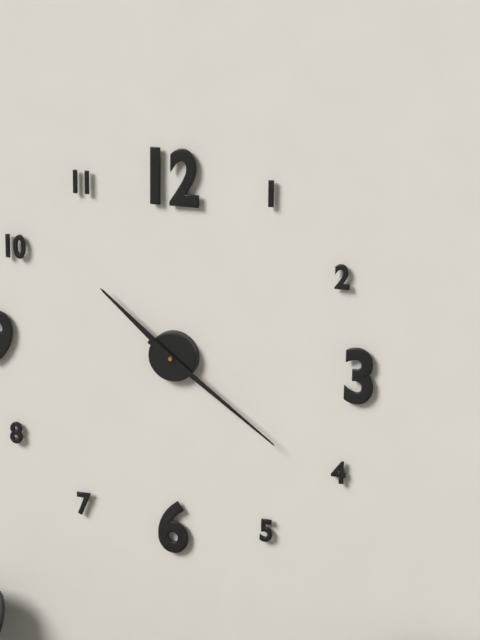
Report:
10h21
